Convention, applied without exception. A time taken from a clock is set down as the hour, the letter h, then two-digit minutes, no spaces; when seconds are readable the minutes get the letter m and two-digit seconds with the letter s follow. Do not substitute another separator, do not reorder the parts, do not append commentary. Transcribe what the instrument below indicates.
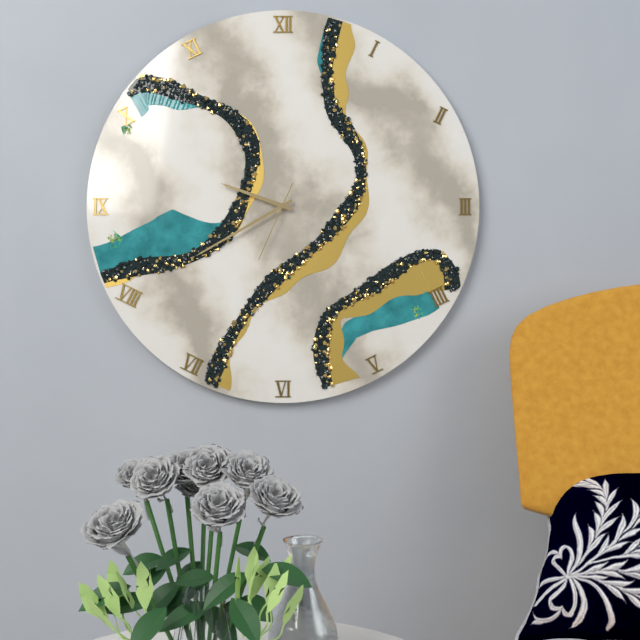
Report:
9h40m34s
